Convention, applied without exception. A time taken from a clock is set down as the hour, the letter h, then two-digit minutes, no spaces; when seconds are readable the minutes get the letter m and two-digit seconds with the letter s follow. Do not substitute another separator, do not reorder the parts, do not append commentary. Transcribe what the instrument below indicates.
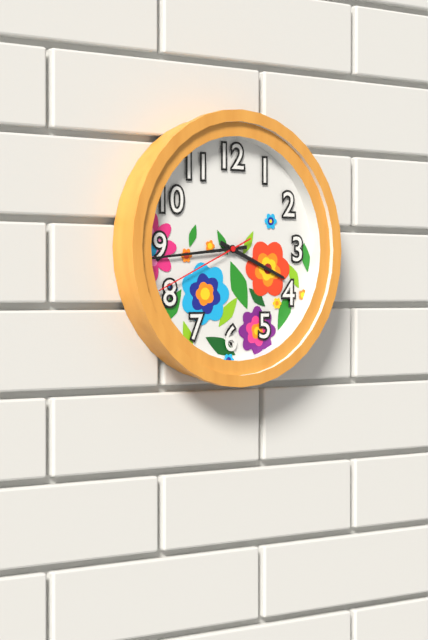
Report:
3h44m41s
